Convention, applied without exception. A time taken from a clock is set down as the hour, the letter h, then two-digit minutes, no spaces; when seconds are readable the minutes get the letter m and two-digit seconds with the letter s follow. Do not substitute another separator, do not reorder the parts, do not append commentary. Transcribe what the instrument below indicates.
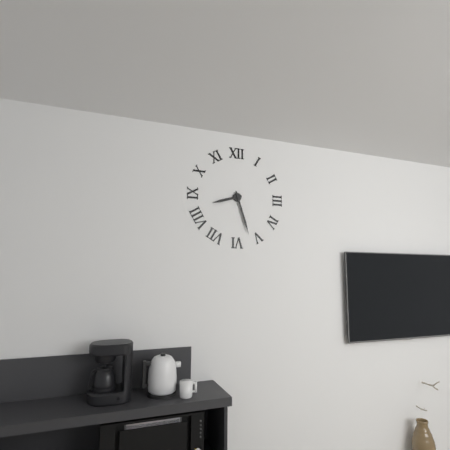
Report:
8h27
